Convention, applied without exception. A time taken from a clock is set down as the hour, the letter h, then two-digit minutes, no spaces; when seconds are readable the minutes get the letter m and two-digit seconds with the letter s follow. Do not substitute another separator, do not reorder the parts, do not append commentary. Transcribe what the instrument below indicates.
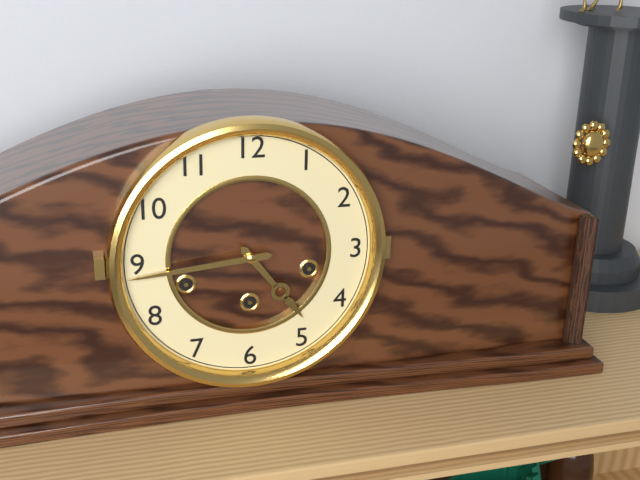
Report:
4h44
